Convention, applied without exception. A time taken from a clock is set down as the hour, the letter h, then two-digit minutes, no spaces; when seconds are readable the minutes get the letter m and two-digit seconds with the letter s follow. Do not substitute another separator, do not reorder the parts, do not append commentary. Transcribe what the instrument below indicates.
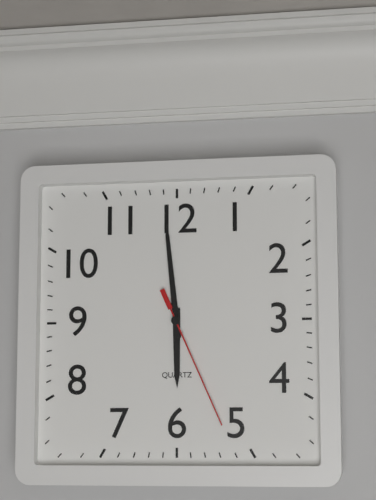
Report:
5h59m26s
